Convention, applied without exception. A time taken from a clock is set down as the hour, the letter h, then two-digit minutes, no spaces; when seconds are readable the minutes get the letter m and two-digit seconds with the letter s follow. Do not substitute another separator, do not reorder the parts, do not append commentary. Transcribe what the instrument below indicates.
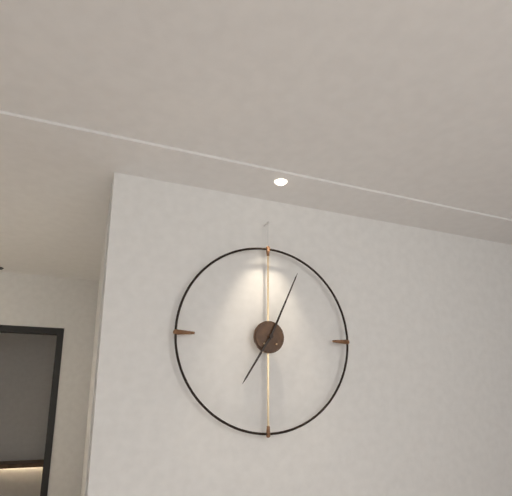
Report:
7h04
